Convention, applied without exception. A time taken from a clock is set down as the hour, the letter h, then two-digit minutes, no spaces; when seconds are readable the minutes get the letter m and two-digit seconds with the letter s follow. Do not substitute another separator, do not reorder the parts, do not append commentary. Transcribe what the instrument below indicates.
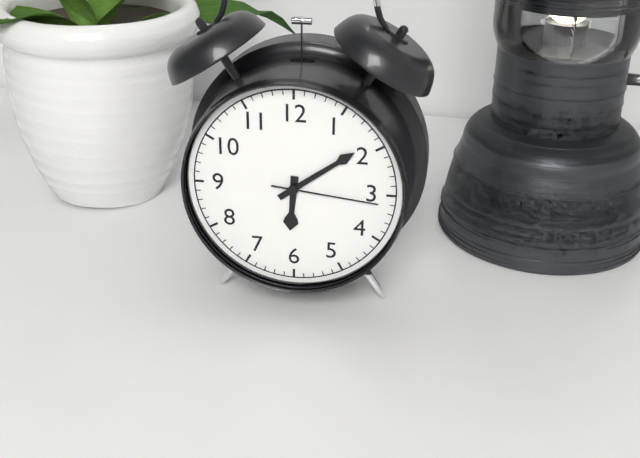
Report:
6h09m16s
